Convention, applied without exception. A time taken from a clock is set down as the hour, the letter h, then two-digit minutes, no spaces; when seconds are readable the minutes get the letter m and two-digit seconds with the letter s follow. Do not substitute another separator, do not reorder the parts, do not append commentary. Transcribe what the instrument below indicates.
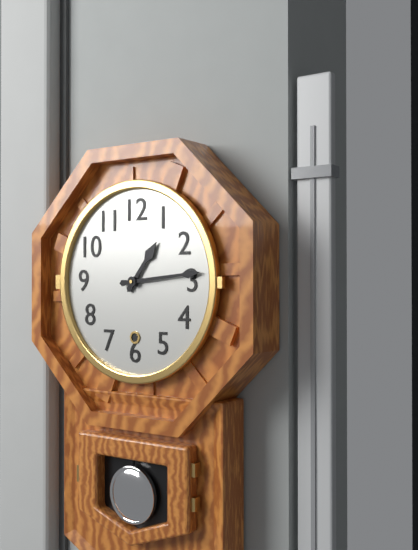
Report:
1h14
